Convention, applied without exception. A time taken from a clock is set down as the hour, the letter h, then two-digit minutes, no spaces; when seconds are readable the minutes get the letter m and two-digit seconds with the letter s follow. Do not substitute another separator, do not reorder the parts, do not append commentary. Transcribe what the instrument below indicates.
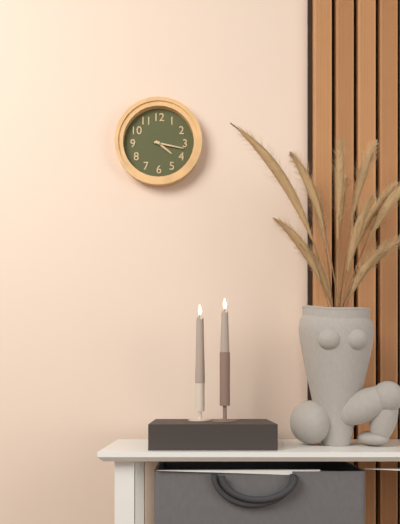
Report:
4h17
